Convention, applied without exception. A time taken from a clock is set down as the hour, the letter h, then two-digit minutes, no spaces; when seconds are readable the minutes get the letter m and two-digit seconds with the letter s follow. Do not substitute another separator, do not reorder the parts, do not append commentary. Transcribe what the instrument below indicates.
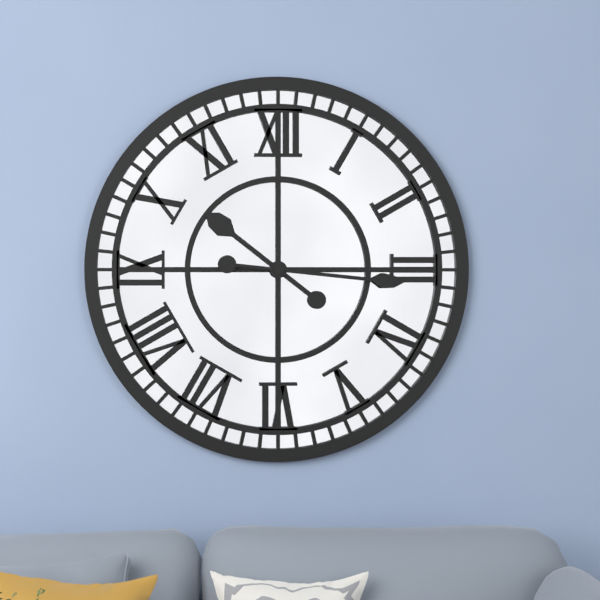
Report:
10h16
